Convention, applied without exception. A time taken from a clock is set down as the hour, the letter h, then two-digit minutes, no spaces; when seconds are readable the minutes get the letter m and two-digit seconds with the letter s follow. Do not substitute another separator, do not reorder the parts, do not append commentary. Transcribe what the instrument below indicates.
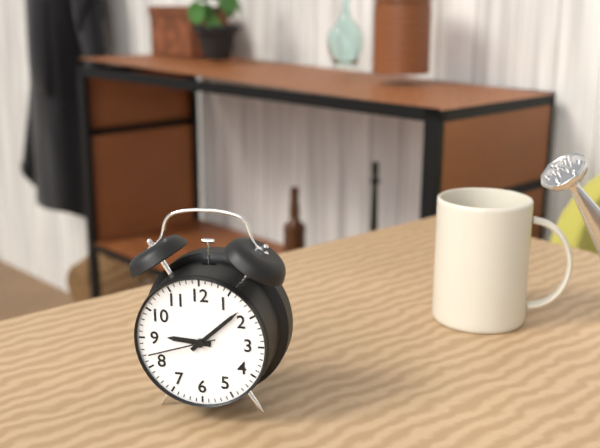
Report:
9h08m42s
